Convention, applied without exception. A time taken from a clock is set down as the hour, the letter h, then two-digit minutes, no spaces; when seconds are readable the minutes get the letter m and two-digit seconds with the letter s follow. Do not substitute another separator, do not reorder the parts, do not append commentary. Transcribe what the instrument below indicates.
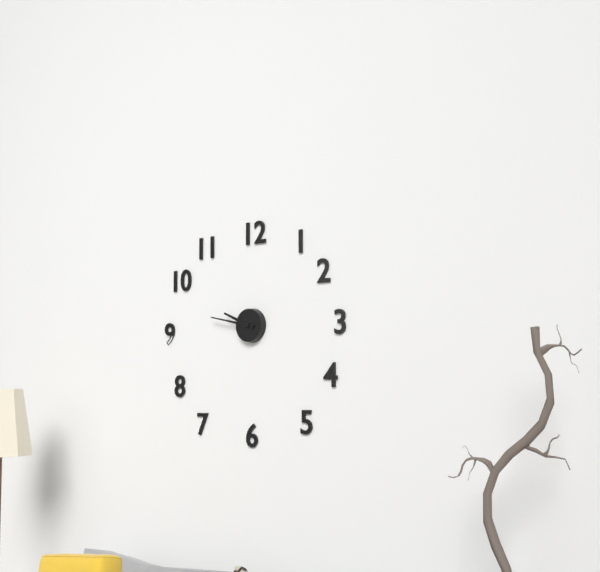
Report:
9h47
